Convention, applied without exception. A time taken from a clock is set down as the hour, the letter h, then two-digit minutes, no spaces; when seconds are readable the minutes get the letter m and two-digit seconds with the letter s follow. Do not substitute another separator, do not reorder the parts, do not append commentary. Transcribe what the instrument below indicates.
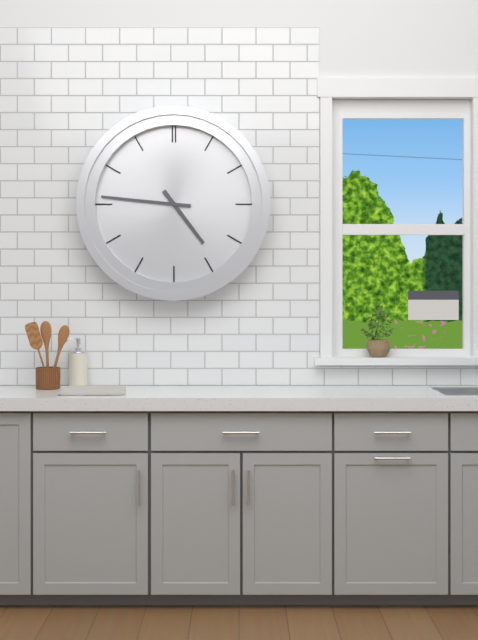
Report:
4h46
